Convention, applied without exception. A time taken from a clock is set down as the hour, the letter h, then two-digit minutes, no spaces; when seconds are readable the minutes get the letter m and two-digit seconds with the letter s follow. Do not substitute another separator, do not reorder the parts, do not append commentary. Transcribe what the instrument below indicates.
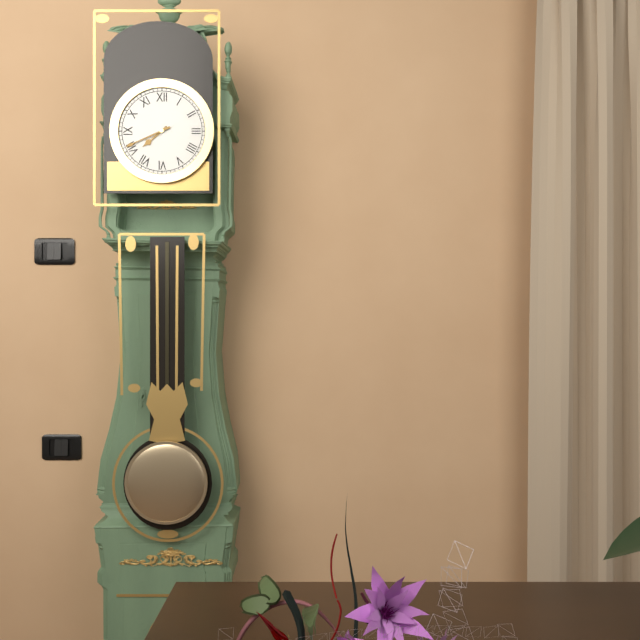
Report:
7h41
